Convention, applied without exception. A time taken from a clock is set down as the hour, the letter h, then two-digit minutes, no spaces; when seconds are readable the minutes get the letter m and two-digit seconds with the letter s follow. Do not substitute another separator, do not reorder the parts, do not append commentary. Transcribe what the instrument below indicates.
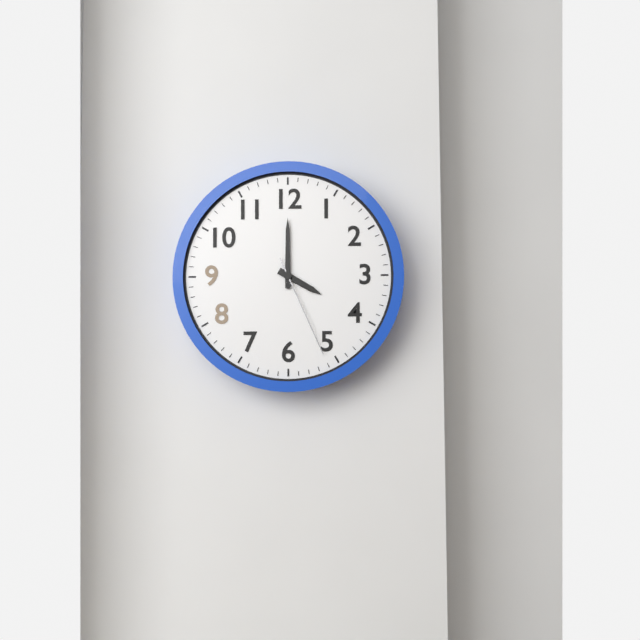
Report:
4h00m26s
